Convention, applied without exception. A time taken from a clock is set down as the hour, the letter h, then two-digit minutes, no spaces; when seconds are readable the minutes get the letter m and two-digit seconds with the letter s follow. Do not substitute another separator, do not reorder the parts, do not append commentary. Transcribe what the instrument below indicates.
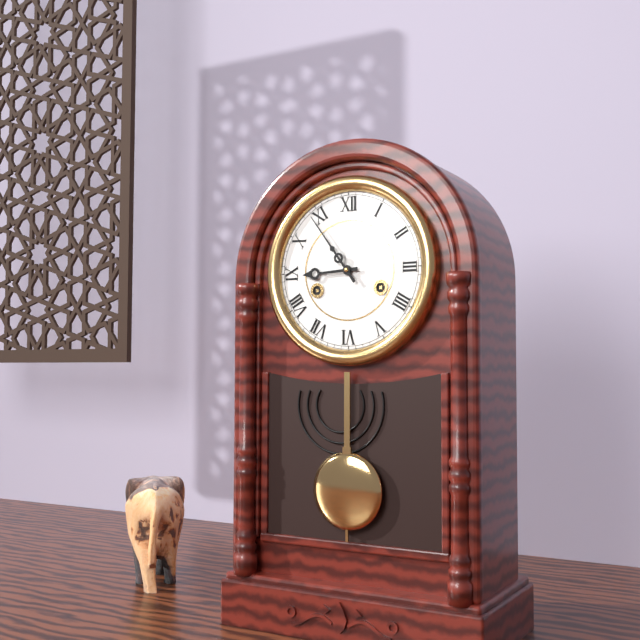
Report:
8h54
